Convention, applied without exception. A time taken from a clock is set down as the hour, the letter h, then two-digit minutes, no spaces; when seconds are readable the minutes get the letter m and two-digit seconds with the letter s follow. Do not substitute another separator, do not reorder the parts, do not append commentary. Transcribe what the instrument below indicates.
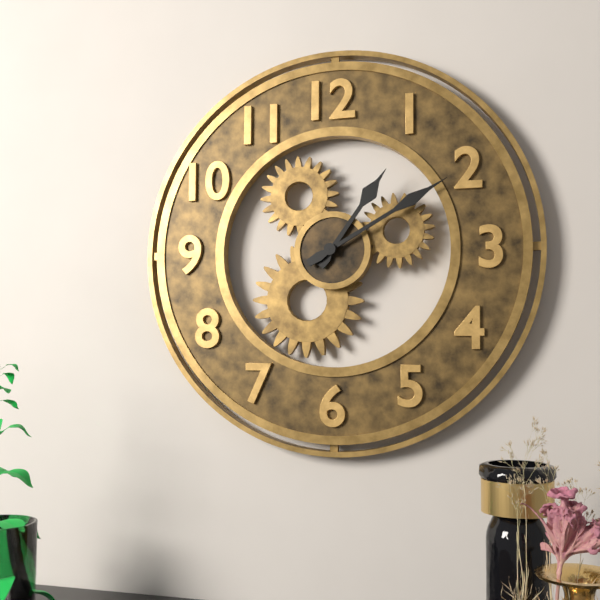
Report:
1h10
